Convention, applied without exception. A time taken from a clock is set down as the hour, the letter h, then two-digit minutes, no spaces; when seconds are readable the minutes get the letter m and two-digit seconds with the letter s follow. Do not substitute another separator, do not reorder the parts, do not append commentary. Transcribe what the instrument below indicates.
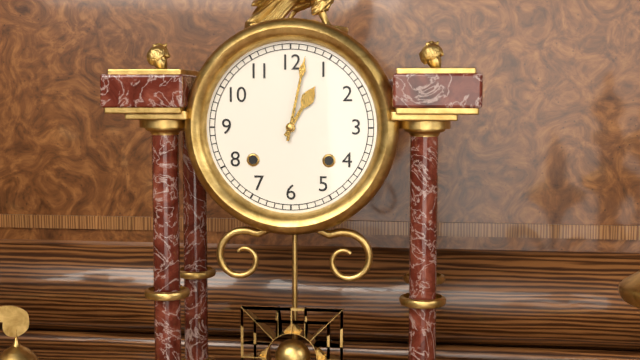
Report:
1h02
